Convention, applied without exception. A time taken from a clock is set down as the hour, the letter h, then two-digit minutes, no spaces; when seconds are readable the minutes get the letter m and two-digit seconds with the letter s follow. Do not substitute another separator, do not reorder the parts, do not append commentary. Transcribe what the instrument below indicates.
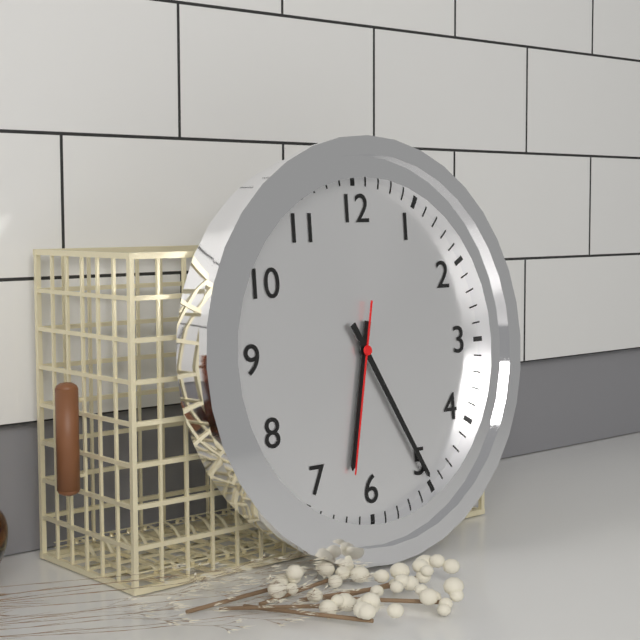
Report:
6h25m32s
